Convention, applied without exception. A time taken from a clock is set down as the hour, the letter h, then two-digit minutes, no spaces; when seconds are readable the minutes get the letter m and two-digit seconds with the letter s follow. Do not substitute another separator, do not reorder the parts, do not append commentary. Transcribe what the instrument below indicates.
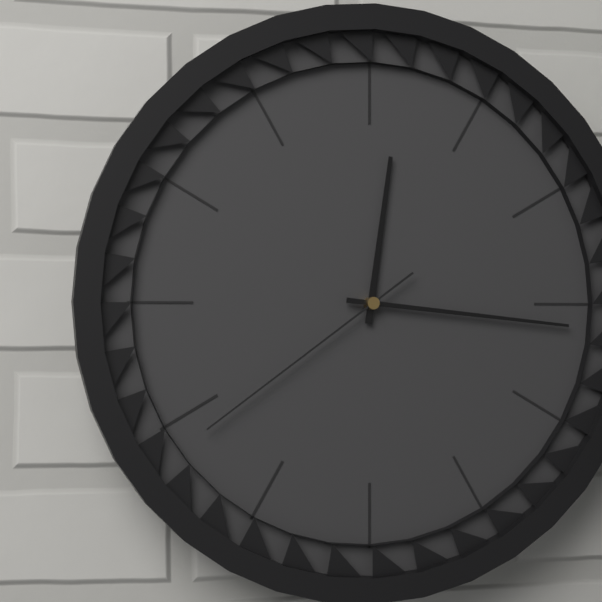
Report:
12h16m39s
